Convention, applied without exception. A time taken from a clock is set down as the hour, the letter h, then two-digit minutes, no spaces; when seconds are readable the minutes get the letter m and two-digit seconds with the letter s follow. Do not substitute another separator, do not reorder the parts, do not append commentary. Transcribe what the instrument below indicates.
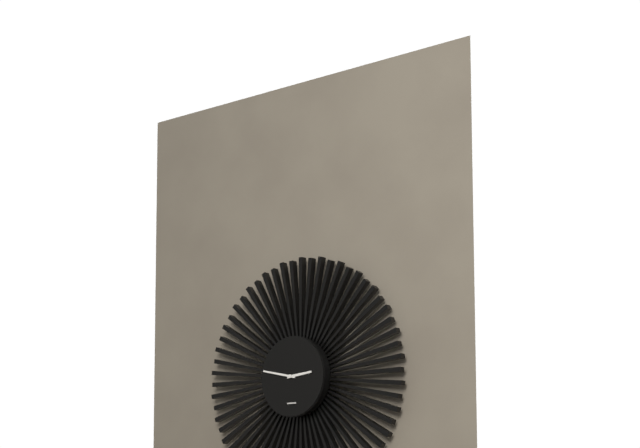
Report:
2h47
